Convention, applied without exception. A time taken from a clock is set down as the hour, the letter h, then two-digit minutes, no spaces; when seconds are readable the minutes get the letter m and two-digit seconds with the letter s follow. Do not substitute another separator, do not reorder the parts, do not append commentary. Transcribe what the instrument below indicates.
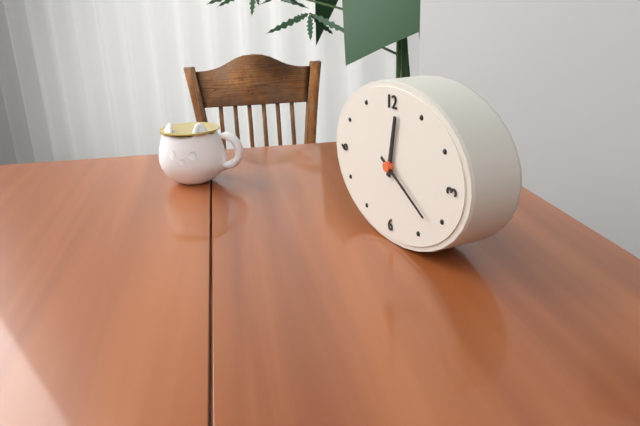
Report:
12h20
